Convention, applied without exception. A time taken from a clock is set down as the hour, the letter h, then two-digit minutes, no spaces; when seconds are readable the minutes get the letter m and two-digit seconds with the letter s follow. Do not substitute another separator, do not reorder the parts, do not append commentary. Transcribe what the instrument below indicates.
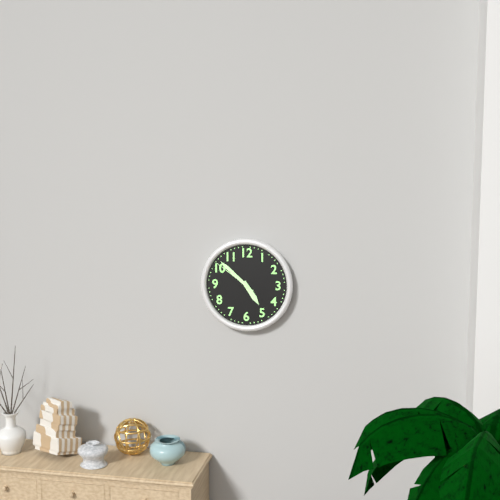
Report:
4h52
